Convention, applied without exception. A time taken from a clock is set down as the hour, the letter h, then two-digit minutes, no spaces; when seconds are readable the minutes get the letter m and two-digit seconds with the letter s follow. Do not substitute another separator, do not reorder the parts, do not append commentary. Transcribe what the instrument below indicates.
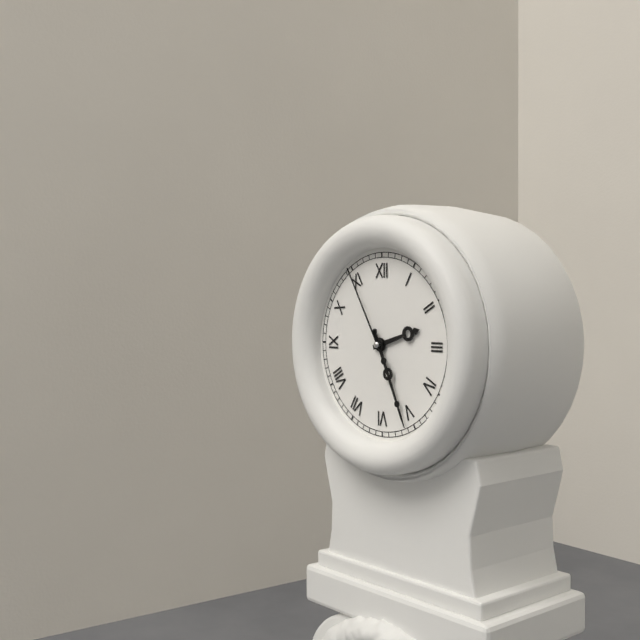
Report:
2h26m55s
